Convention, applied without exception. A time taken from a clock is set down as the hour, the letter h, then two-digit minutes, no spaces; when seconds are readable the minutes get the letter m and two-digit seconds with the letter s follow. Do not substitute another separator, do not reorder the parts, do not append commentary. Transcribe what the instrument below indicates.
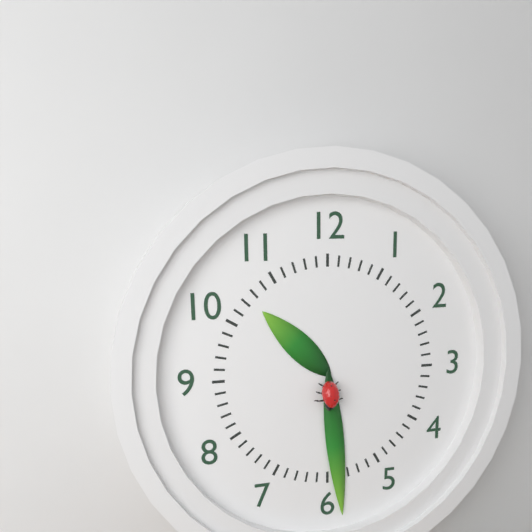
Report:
10h29
